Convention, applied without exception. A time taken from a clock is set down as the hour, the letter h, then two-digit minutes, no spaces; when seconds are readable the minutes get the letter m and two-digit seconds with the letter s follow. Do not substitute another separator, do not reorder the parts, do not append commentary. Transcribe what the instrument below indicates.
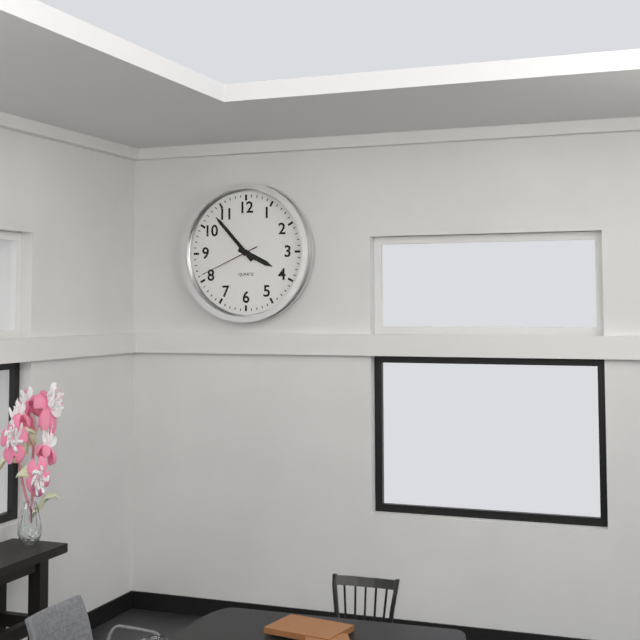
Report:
3h53m41s
